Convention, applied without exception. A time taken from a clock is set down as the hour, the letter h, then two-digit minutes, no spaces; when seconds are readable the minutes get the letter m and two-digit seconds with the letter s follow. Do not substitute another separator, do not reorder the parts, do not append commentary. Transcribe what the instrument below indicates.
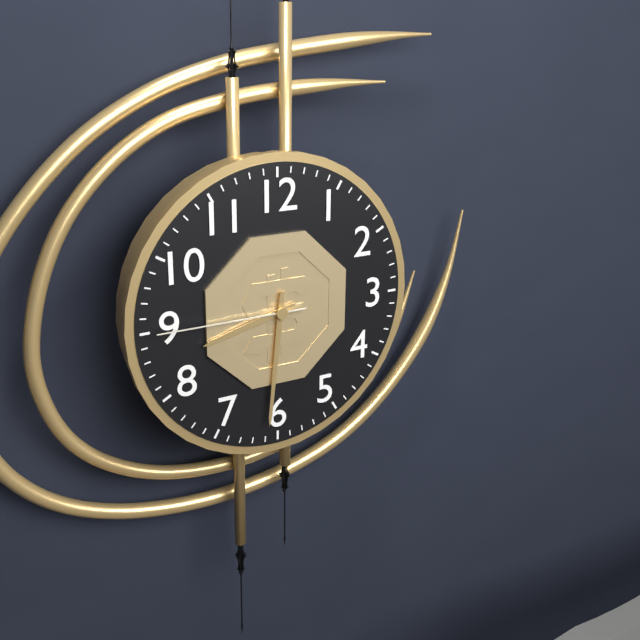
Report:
8h31m45s
